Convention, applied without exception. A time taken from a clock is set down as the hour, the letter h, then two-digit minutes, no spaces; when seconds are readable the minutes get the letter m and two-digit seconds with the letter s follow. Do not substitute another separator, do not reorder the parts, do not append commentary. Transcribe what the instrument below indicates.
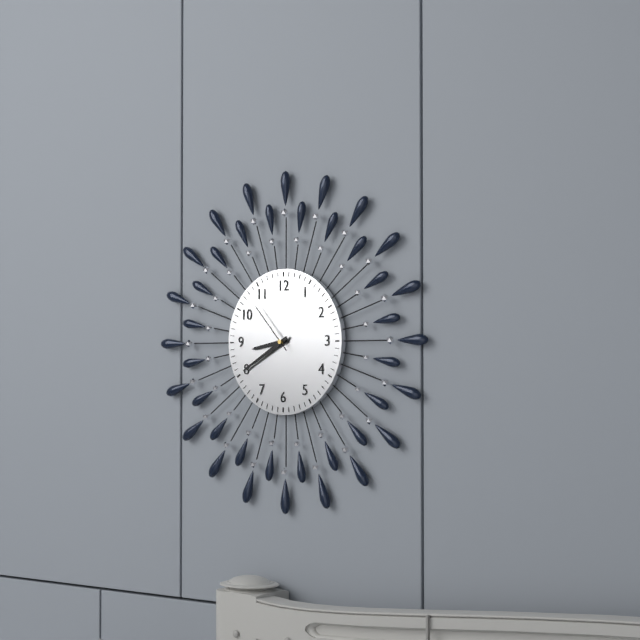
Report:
8h40m53s
